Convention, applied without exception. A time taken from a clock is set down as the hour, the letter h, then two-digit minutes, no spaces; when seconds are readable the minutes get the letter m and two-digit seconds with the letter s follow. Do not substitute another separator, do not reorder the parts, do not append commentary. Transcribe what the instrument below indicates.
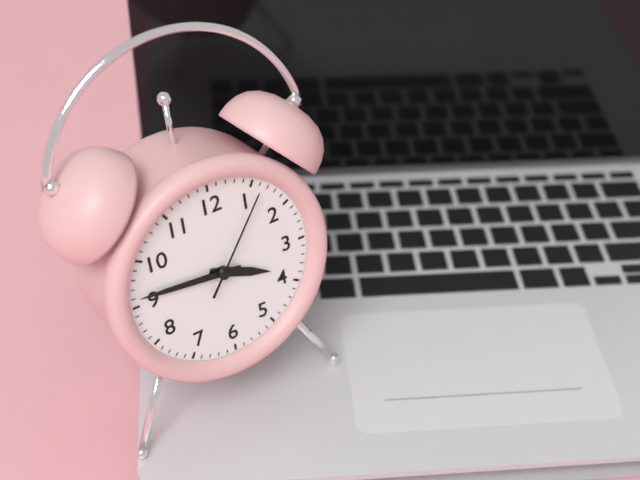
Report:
3h46m06s
